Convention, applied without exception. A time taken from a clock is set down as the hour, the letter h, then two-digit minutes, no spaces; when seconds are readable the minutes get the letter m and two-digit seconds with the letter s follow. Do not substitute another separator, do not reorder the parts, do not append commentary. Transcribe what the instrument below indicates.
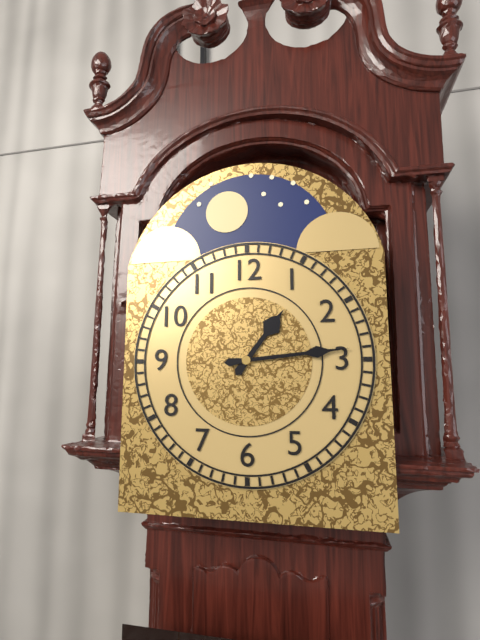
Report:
1h14
